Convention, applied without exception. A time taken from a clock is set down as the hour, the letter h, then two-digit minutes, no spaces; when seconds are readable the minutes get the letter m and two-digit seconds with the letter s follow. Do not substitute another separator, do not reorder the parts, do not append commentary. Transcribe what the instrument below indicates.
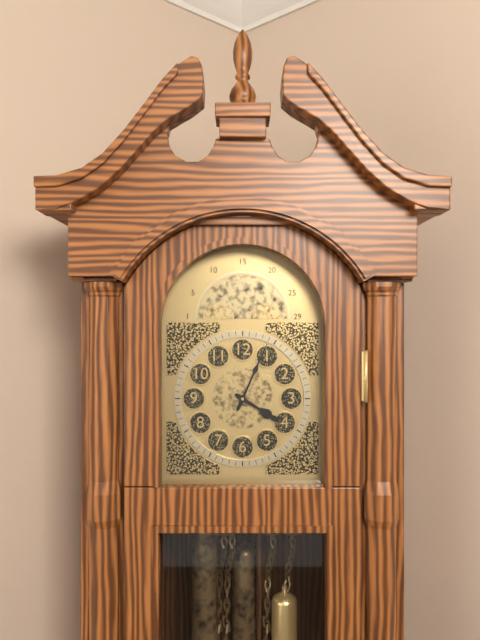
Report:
4h04
